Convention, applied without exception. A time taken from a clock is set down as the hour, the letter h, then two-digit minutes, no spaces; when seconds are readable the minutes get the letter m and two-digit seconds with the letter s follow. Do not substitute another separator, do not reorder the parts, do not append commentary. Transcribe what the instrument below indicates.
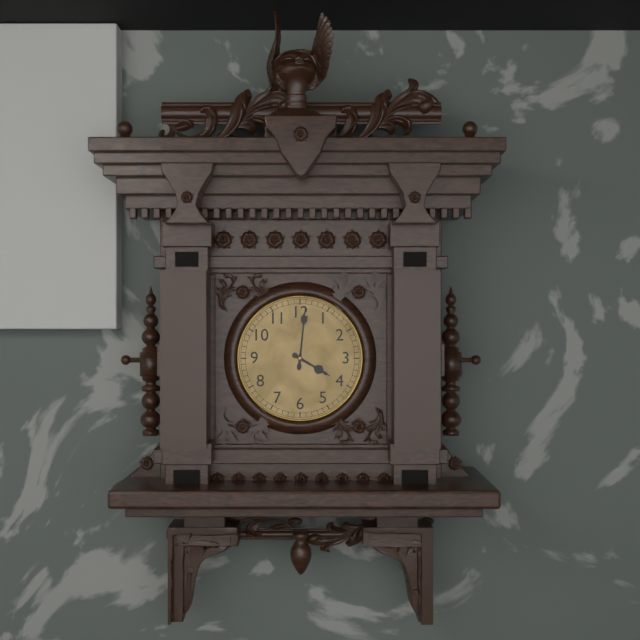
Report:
4h01
